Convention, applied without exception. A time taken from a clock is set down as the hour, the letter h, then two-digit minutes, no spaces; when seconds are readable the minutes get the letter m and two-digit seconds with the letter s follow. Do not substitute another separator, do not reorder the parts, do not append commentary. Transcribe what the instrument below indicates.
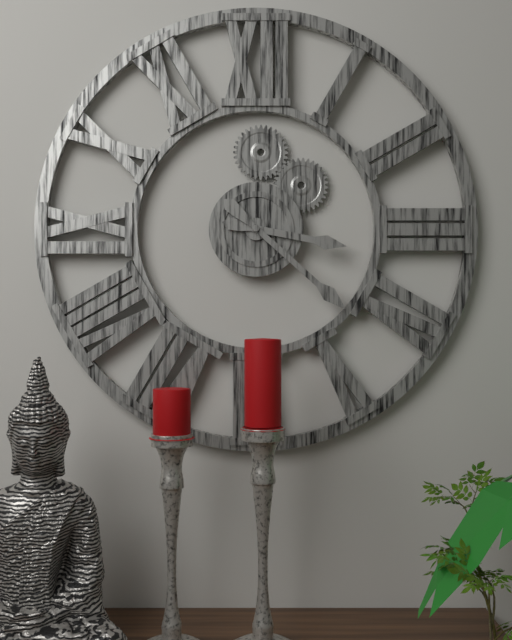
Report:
3h22
